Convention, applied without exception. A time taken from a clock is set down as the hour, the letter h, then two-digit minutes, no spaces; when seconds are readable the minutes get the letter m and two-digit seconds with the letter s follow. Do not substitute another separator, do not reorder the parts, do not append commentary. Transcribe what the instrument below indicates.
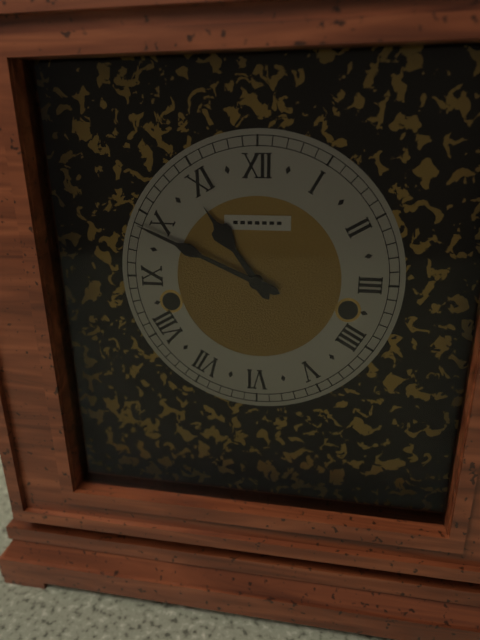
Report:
10h49
